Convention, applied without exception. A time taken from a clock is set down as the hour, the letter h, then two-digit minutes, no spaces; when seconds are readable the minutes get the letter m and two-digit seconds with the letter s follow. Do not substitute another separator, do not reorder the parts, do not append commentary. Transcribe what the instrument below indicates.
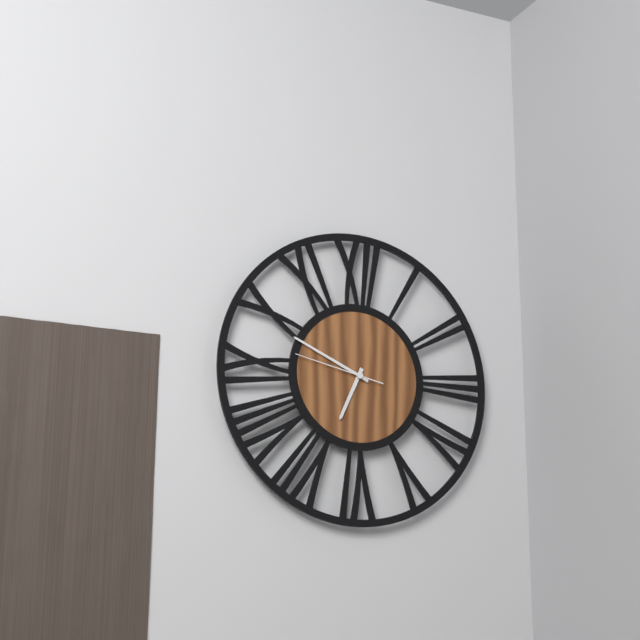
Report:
6h49m47s
